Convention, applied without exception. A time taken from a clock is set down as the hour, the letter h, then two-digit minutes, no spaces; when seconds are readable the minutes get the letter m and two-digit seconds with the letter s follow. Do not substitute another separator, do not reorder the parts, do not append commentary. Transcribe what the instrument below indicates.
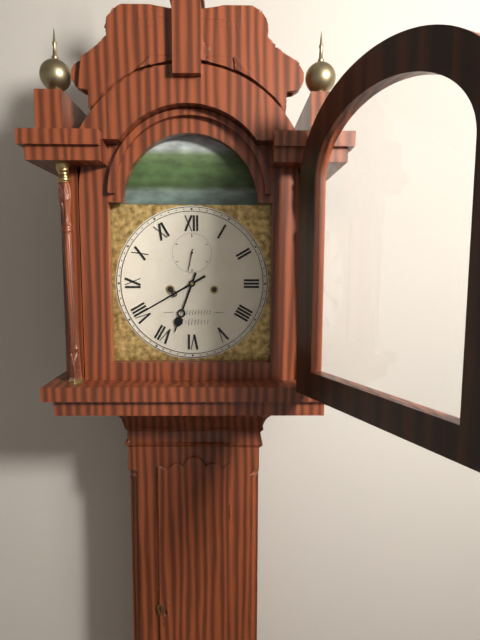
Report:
6h40
